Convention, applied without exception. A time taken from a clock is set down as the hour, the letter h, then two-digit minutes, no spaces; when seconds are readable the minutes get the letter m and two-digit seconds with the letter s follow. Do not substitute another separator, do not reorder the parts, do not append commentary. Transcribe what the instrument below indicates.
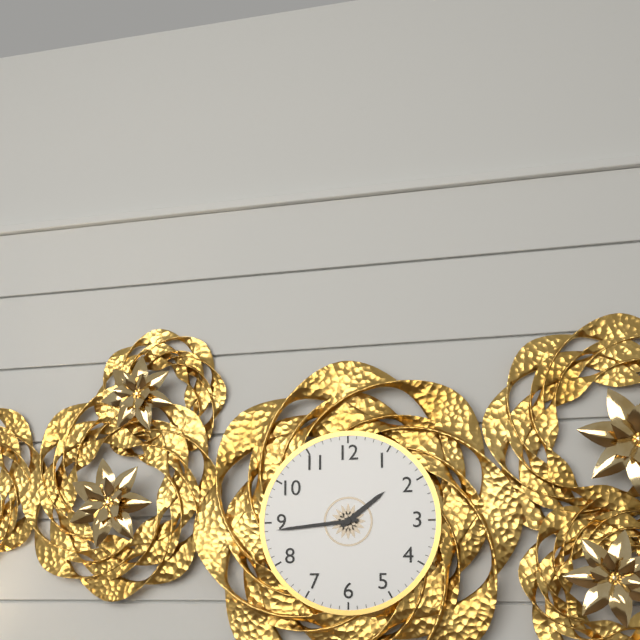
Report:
1h44
